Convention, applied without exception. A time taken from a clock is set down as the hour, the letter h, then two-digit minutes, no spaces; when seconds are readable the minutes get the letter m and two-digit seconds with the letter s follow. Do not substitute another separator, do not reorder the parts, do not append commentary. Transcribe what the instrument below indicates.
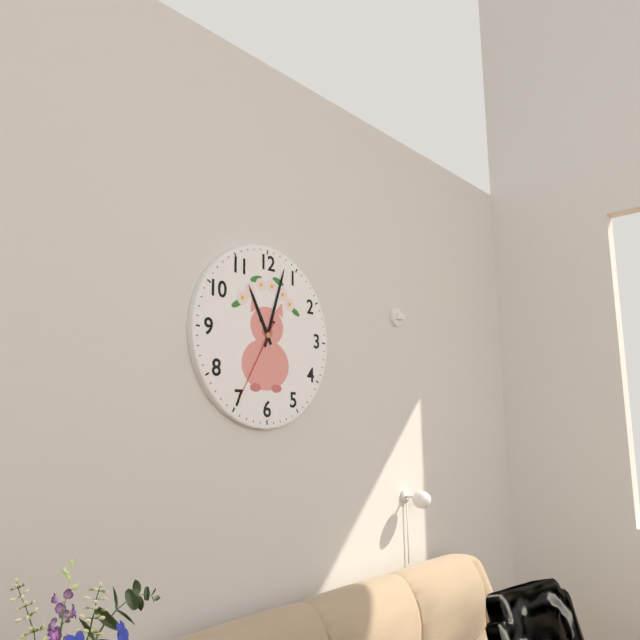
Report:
11h03m35s
